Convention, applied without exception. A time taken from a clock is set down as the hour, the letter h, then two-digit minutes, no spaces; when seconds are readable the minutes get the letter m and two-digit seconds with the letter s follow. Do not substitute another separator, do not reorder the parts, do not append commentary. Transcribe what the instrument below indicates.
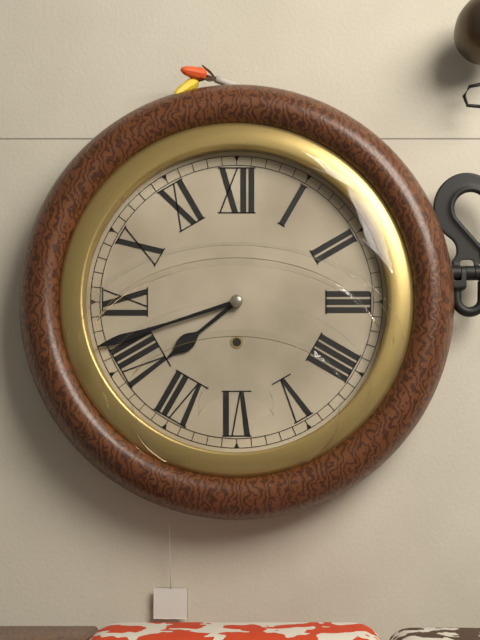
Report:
7h42
